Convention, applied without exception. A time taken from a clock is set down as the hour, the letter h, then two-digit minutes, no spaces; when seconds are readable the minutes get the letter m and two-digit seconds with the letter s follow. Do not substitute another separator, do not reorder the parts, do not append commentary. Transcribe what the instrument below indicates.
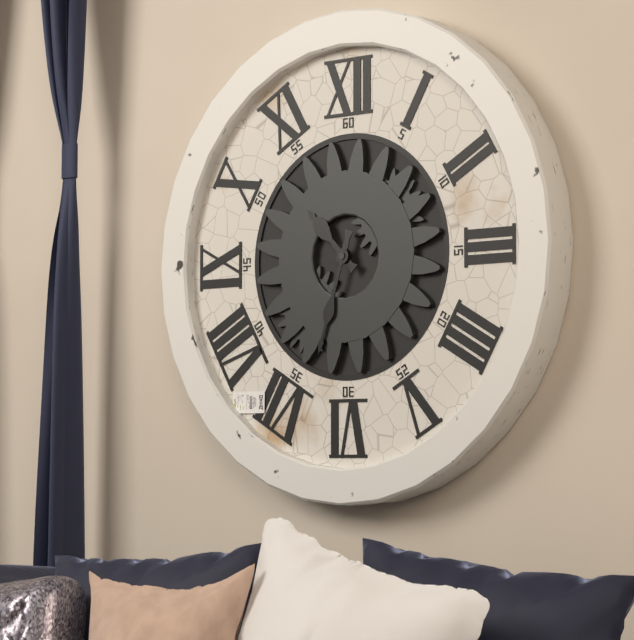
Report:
10h33
